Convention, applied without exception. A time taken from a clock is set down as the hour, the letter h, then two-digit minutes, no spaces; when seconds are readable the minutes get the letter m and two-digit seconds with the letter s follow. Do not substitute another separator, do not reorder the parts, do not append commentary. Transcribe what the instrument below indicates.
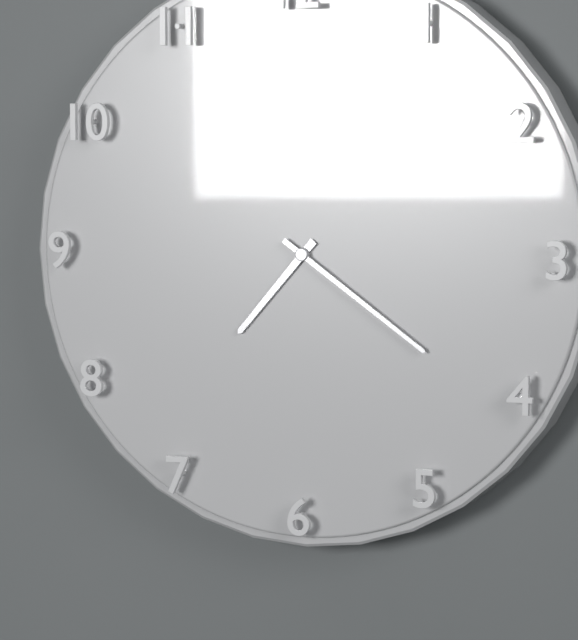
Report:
7h21
